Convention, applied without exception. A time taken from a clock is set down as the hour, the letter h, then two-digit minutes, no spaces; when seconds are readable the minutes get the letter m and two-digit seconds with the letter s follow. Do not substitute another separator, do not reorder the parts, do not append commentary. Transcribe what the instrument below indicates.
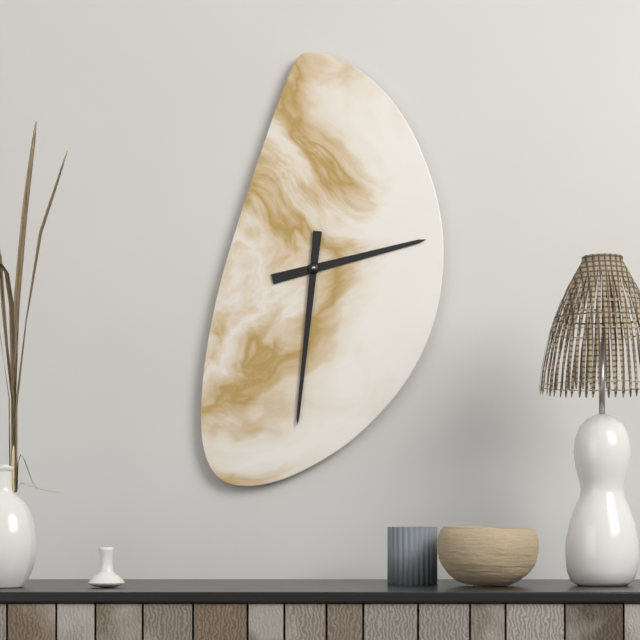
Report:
2h31
